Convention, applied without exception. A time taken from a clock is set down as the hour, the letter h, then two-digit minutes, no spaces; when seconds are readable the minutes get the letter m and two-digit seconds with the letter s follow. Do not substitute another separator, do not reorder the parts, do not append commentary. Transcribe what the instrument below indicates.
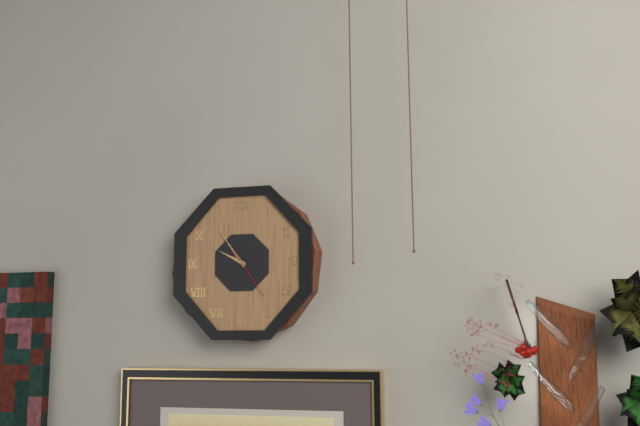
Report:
9h54
